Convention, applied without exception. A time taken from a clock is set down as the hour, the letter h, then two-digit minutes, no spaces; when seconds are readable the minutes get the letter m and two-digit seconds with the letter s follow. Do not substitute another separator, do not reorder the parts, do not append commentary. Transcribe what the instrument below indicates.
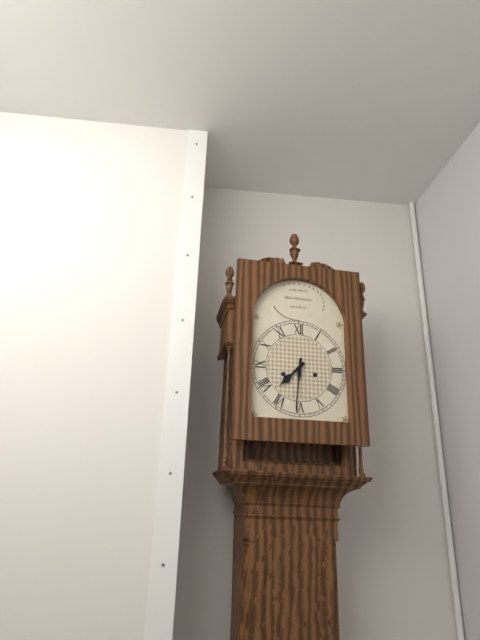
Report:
7h31
